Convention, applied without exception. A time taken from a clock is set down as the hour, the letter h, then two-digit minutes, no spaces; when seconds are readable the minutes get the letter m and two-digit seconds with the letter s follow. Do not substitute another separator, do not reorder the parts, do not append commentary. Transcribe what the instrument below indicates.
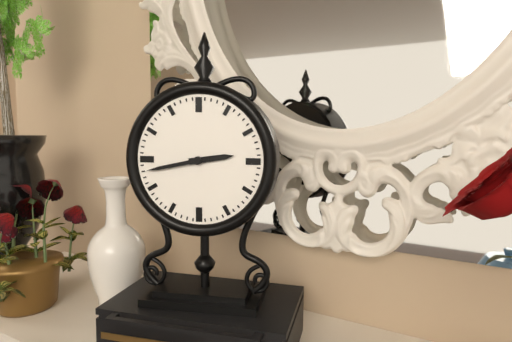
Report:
2h43
